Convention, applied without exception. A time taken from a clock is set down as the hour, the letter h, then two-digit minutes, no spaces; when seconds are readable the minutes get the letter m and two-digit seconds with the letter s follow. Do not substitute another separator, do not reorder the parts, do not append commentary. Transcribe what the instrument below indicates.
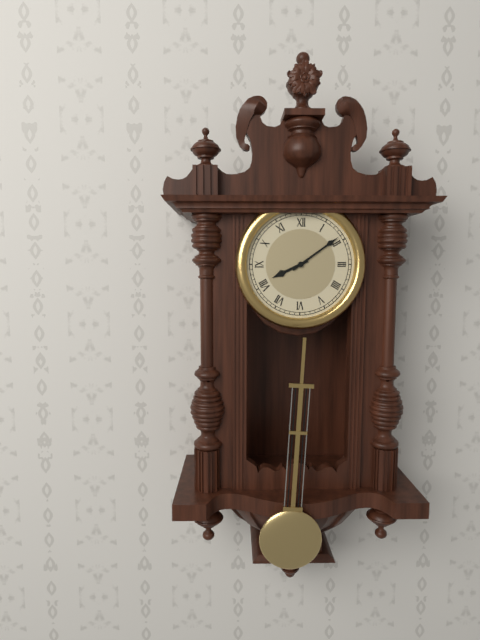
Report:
8h09
